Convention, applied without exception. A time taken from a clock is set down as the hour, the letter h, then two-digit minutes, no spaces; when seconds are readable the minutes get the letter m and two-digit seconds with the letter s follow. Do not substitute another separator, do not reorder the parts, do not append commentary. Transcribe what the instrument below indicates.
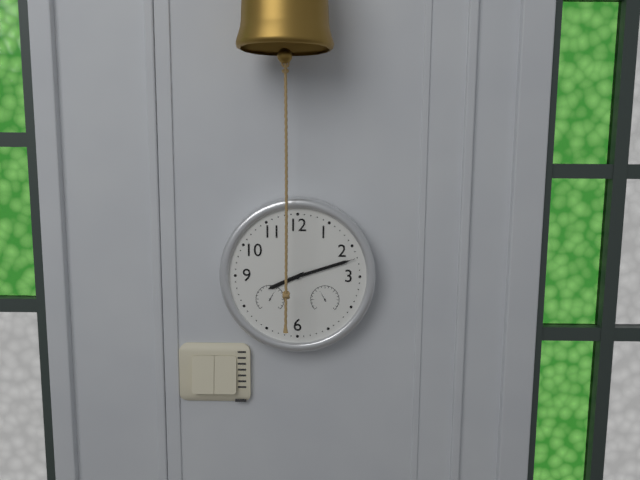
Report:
8h12m12s
